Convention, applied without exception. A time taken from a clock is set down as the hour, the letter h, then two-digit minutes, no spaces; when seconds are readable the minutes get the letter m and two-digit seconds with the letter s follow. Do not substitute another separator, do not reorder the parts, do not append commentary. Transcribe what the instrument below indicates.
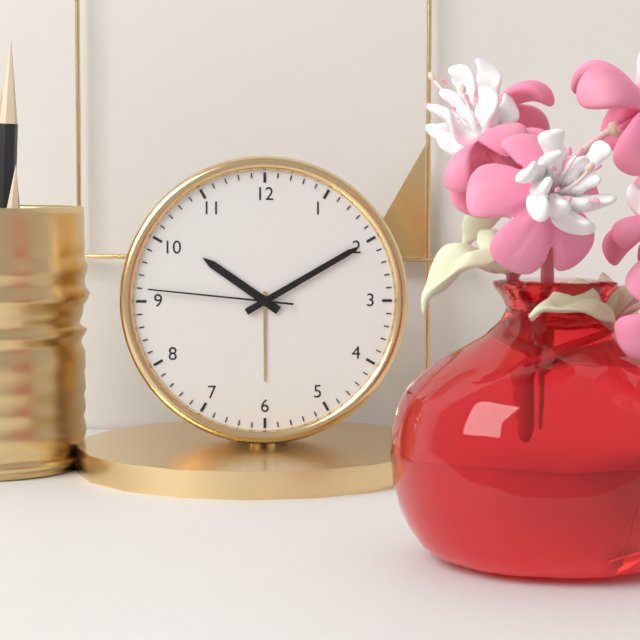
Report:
10h10m46s
